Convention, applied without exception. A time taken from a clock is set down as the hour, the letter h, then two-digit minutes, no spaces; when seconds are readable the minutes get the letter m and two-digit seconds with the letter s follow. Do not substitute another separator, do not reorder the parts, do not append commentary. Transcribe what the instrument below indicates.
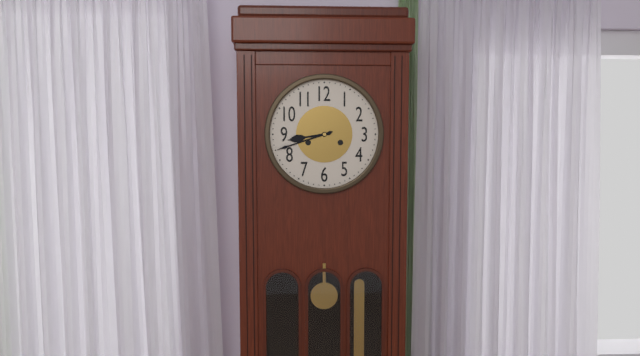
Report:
8h42
